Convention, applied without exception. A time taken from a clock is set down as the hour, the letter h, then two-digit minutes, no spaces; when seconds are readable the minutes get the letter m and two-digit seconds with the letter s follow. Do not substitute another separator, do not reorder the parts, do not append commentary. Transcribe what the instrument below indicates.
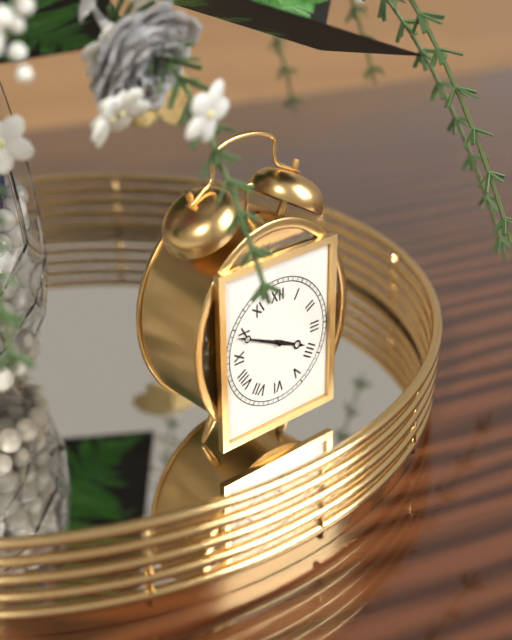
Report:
3h49
